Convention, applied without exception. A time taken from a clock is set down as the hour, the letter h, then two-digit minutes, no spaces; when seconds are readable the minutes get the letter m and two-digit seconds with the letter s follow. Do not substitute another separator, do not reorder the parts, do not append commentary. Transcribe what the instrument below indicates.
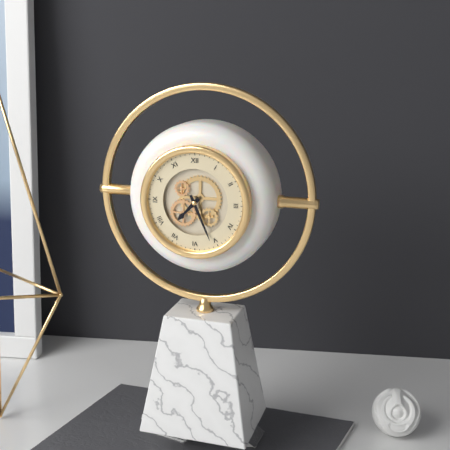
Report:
7h26
